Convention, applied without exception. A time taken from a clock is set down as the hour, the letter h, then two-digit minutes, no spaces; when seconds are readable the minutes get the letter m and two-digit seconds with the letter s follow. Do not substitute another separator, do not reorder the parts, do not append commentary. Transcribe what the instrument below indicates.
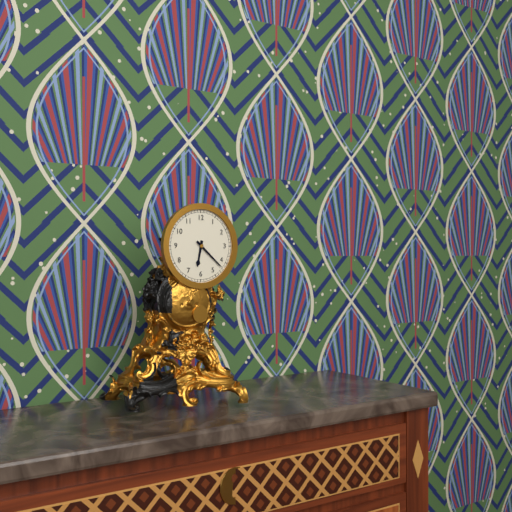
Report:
6h22
